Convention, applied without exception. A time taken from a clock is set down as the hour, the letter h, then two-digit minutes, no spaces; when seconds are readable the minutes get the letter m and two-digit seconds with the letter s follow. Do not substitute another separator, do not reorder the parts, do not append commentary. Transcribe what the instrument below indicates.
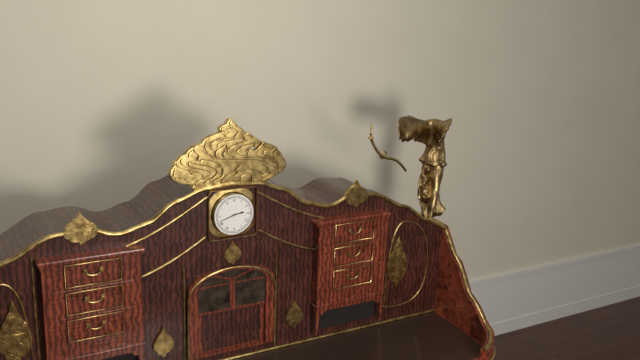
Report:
2h42
